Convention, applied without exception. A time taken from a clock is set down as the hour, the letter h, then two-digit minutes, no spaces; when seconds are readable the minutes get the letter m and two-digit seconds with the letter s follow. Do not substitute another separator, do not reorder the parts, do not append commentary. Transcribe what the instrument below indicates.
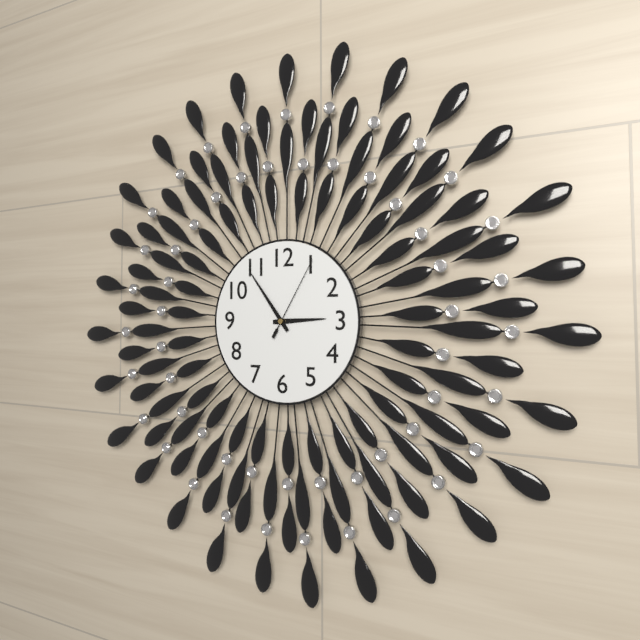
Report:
2h54m05s
